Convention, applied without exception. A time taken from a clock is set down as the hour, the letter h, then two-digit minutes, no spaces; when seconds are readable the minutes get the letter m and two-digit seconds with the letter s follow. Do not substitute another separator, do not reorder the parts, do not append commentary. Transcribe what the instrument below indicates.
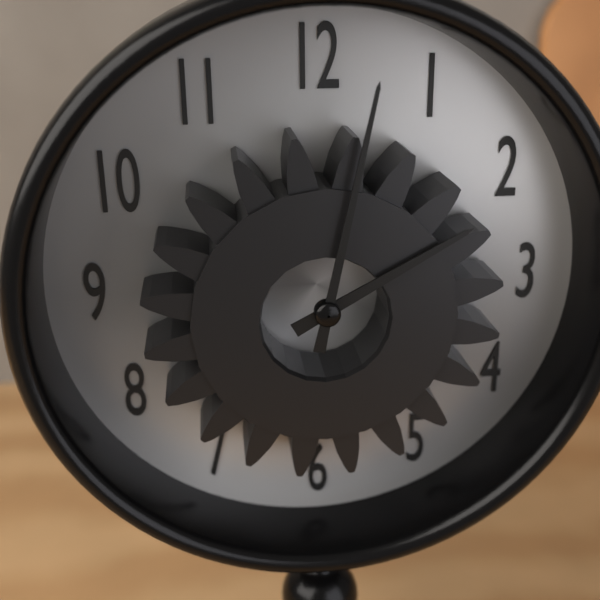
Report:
2h02
